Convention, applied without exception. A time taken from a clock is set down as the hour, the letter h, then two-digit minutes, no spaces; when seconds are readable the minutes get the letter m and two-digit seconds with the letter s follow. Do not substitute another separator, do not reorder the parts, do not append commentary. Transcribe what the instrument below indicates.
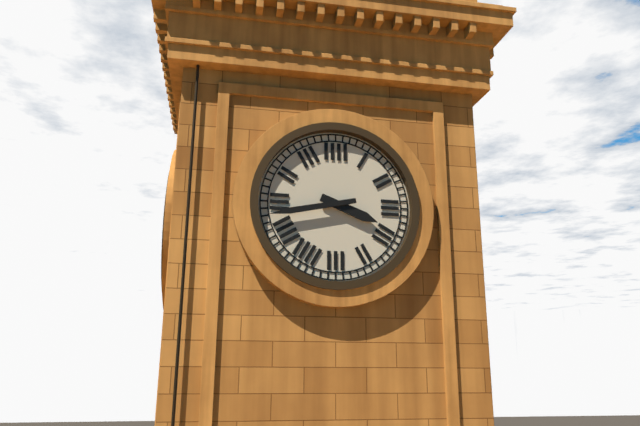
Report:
3h43
